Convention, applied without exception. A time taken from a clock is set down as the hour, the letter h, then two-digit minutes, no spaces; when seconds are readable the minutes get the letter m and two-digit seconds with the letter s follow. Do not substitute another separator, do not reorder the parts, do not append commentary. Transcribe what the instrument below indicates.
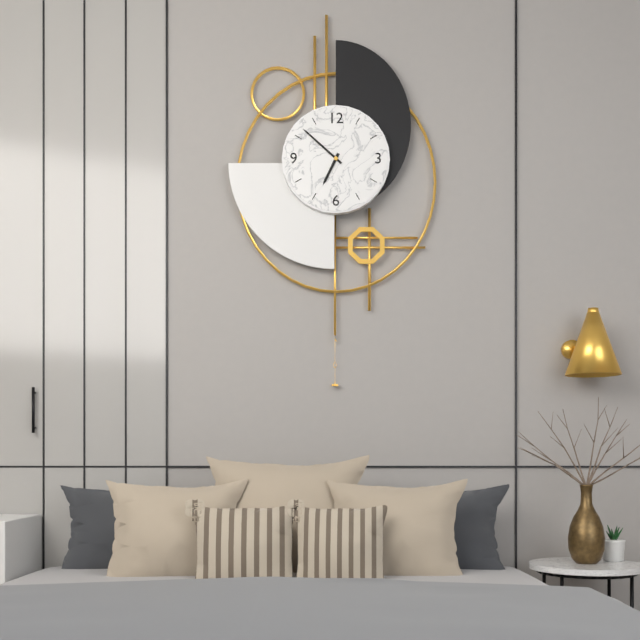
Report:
6h52
